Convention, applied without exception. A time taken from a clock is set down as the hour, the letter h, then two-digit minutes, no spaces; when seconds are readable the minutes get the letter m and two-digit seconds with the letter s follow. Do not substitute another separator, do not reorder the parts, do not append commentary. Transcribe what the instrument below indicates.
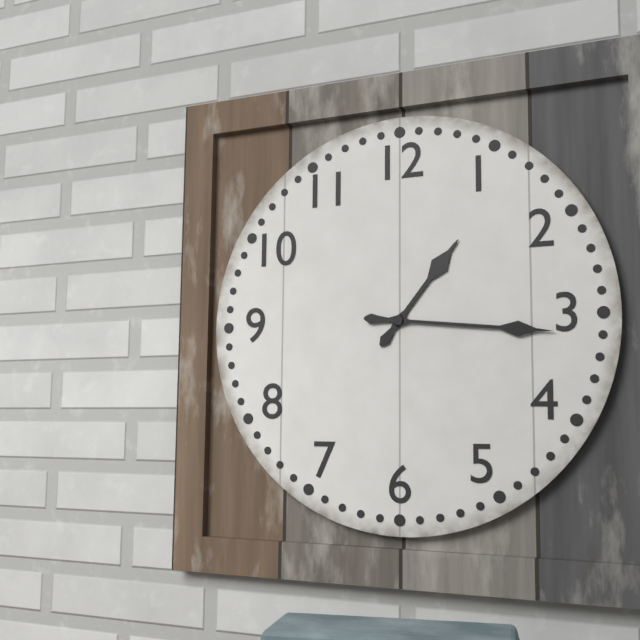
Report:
1h16
